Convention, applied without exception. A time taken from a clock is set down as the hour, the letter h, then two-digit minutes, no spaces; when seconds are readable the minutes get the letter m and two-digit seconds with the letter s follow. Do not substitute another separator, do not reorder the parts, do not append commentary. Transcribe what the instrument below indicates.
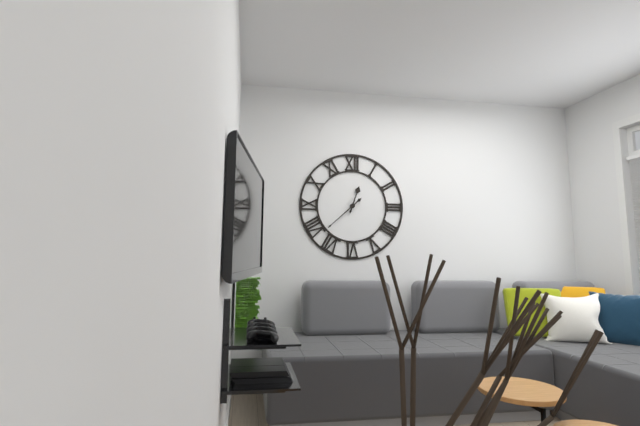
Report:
12h38
